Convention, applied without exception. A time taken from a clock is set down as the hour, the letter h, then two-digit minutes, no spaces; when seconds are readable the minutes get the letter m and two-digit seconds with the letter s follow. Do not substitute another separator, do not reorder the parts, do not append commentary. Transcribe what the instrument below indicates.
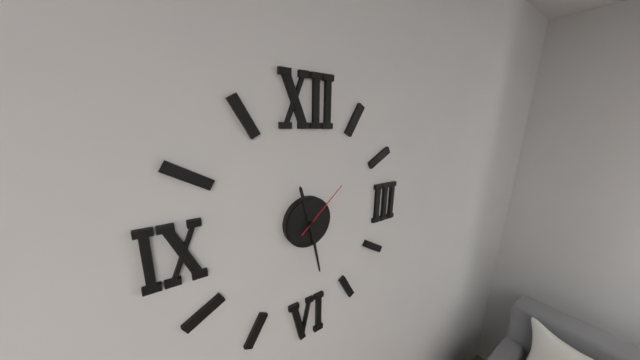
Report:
11h28m08s
